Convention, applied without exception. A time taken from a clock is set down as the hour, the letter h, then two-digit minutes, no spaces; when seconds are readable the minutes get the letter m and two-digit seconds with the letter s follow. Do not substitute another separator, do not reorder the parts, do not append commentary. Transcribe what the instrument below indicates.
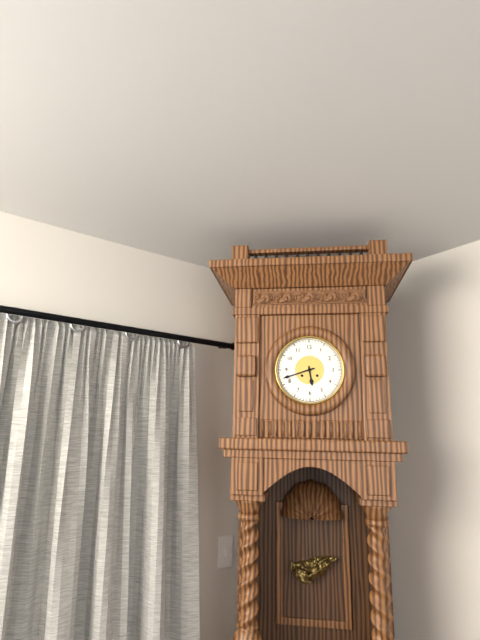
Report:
5h42
